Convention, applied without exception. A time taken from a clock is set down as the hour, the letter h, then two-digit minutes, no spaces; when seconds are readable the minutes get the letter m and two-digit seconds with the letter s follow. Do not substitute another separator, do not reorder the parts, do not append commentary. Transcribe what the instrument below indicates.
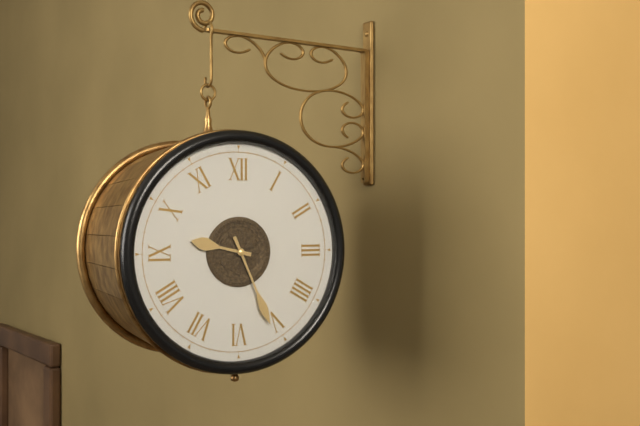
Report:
9h26
